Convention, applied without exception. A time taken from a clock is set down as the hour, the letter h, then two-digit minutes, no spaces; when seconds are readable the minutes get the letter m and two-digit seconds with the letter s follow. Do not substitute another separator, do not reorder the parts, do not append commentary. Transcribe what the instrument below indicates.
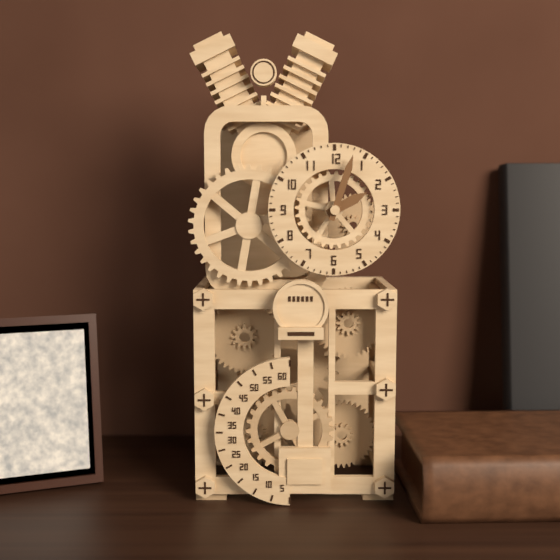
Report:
2h03
